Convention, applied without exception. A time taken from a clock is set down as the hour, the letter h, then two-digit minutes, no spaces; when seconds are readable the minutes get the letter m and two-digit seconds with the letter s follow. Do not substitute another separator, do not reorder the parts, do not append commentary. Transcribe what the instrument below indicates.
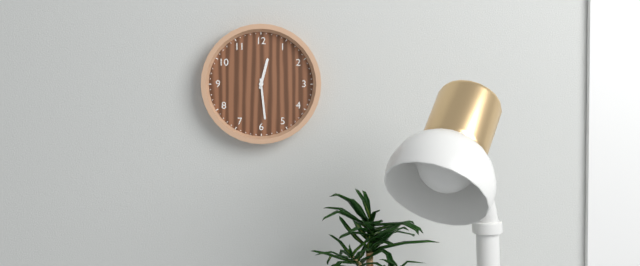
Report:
12h29
